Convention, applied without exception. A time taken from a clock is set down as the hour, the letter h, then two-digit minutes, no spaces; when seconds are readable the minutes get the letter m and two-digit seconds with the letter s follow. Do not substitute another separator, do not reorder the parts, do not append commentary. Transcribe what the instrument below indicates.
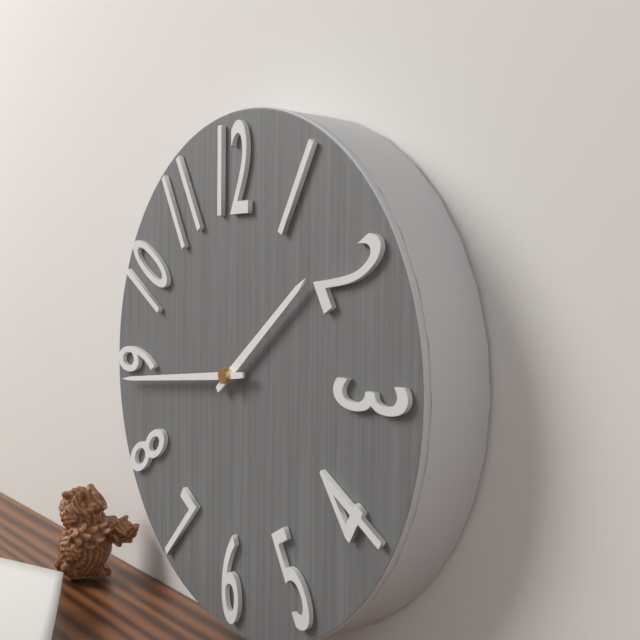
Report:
1h44
